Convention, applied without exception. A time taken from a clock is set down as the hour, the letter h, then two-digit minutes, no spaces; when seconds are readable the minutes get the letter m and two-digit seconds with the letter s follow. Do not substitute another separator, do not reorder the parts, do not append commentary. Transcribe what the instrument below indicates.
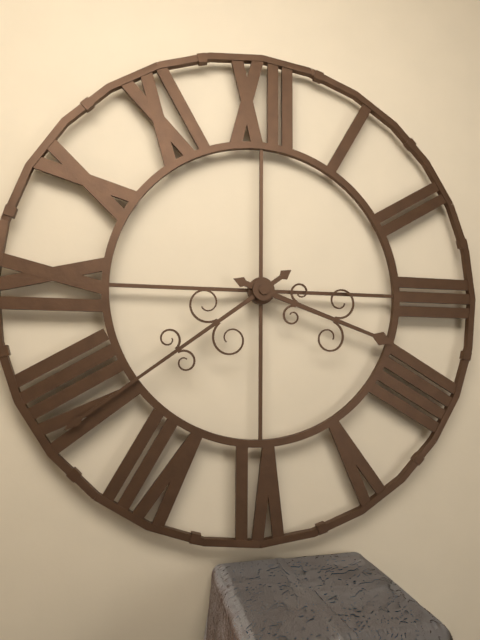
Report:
3h39
